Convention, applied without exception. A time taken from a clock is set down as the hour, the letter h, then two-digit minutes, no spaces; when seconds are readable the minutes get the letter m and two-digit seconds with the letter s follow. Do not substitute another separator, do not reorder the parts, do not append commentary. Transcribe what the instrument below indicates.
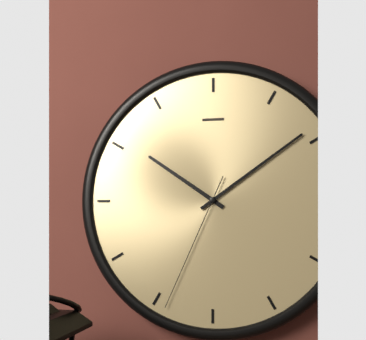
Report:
10h09m34s
